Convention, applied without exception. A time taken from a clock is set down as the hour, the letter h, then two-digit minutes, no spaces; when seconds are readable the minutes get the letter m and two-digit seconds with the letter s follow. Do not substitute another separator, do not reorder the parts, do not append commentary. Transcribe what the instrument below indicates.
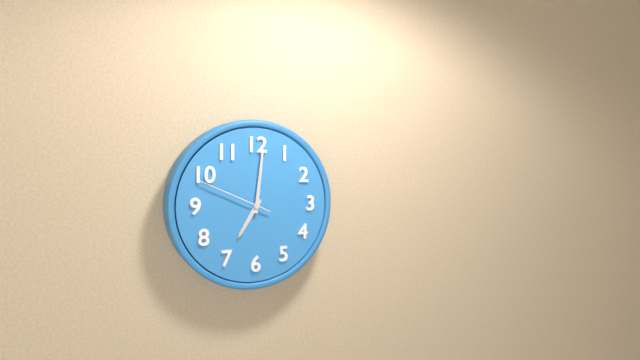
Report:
7h01m49s
